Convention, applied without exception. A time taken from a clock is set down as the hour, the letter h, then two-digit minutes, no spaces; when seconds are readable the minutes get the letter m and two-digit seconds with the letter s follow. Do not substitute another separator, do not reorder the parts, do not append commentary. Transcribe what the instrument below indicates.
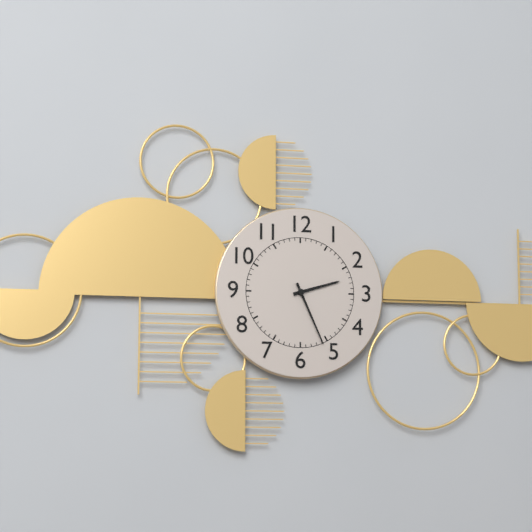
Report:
2h26
